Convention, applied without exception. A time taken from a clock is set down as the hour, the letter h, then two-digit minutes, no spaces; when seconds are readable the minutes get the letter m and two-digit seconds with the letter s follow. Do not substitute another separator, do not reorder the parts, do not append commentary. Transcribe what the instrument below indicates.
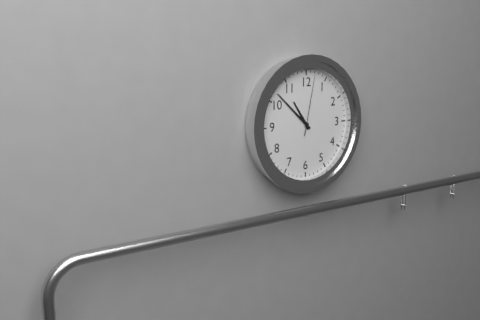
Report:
10h52m02s
